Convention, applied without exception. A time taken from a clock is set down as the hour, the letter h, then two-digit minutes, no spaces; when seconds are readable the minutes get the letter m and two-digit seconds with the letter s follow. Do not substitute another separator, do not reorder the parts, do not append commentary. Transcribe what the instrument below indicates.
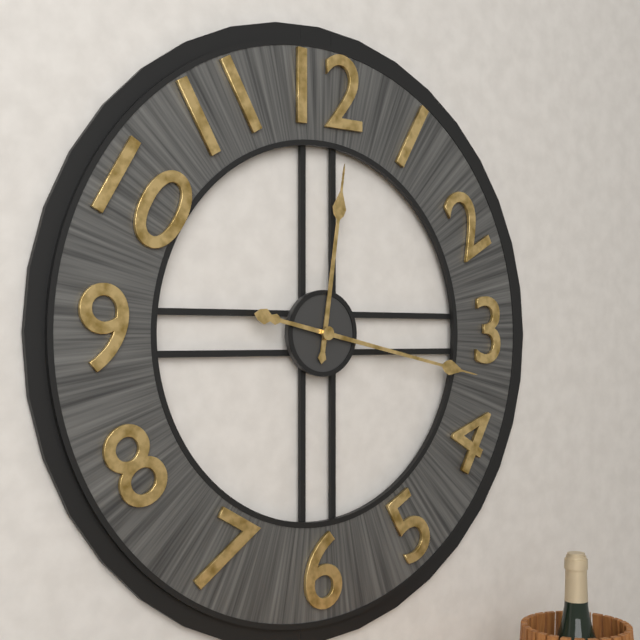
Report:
12h17
